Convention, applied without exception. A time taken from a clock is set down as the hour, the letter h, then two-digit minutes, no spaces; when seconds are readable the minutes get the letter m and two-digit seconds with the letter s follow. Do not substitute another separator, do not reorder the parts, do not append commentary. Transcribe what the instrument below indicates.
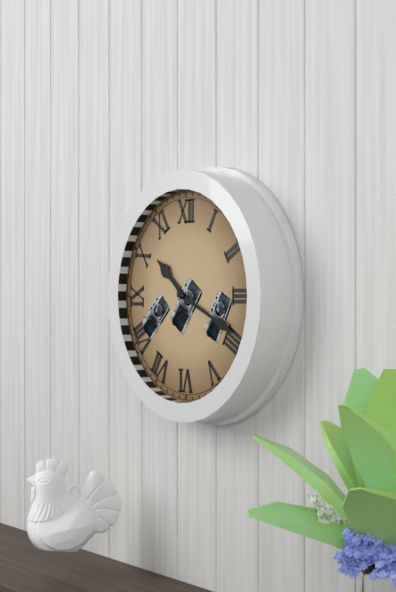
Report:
10h19
